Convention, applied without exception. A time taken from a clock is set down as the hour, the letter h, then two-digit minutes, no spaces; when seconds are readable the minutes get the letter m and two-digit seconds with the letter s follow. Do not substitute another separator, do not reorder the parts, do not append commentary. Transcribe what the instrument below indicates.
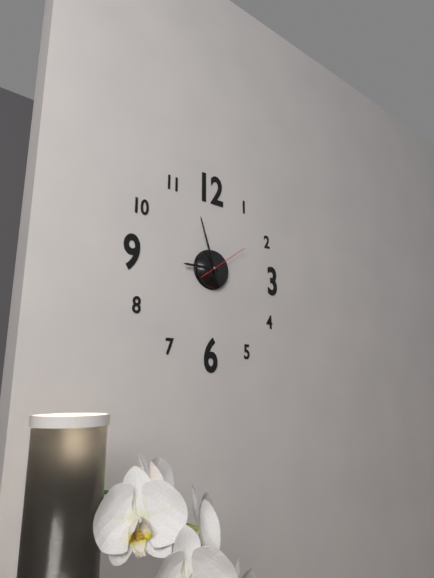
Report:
8h57m09s
